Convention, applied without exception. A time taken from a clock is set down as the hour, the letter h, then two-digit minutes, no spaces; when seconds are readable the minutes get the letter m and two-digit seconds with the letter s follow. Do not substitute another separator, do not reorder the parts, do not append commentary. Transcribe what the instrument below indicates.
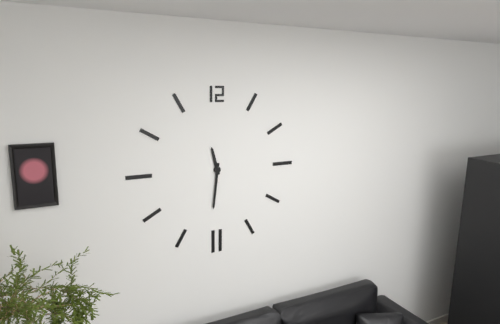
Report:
11h31
